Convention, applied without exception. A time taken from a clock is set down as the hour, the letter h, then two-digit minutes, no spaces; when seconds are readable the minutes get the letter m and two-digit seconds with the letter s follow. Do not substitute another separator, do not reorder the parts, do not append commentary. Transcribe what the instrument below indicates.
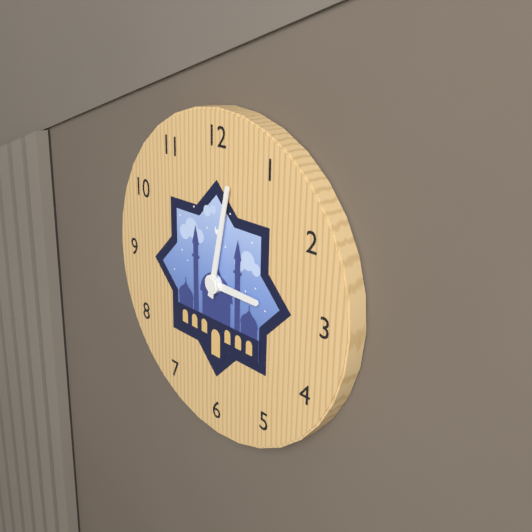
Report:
3h02
